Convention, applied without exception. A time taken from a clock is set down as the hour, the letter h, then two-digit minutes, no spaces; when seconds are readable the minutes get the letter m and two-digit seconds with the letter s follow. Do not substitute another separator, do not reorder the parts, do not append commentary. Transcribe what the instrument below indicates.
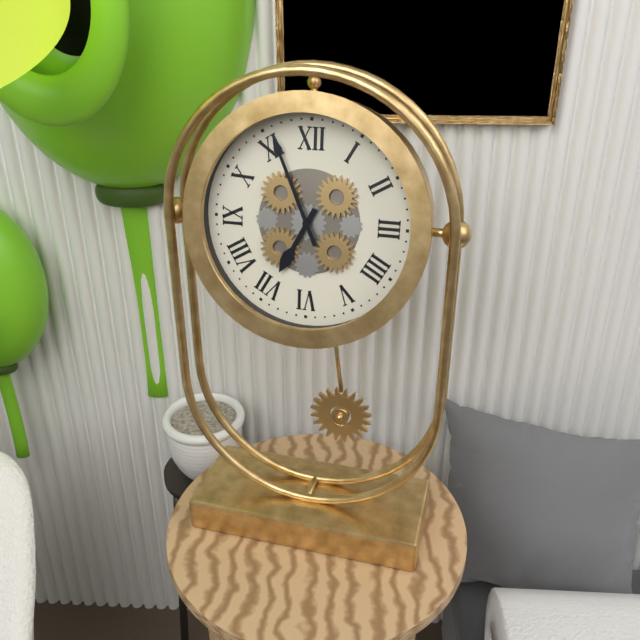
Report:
6h56
